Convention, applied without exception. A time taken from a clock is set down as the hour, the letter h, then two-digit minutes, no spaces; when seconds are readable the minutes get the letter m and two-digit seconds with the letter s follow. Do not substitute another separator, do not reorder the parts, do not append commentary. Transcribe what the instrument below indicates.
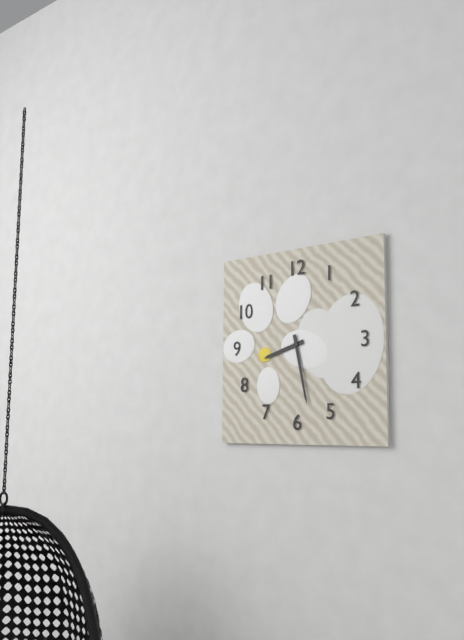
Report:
8h28
